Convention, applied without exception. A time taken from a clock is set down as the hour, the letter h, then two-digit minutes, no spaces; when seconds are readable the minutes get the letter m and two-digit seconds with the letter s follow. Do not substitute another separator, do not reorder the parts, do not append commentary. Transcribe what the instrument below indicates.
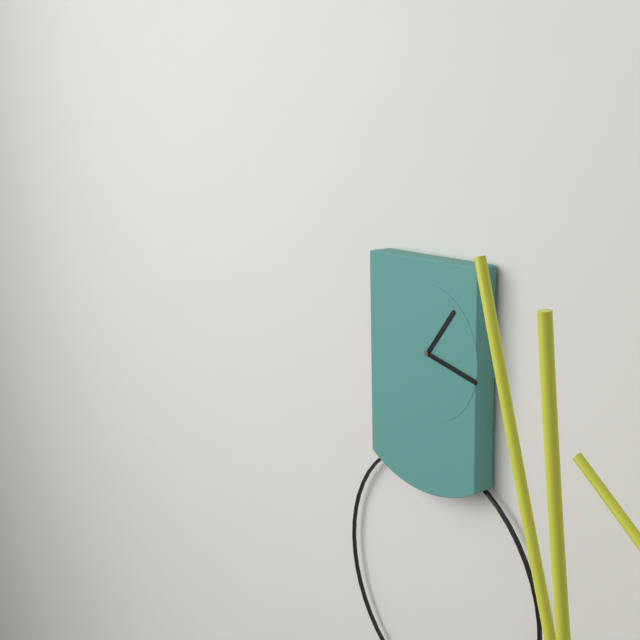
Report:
1h17
